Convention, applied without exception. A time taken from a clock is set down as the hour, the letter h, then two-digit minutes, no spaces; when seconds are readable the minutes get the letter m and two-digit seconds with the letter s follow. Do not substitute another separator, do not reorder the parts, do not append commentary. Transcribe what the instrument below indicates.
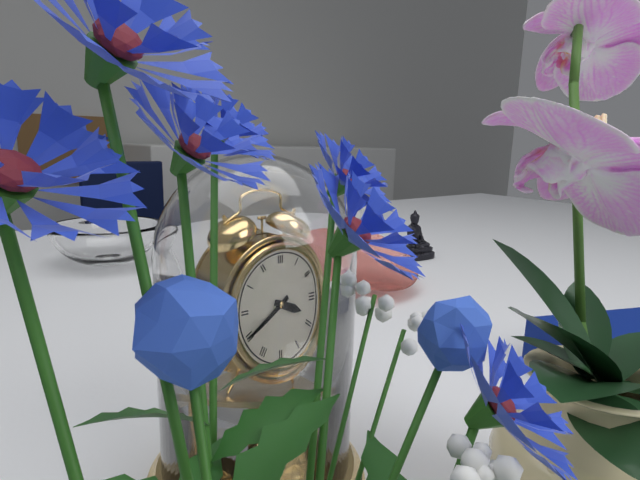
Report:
3h40
